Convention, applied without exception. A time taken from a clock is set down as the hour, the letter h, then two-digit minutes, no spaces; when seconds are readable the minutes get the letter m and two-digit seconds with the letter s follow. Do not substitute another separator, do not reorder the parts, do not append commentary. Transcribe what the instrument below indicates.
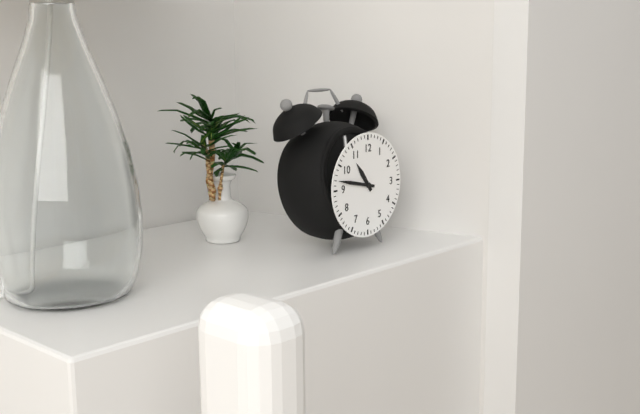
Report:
10h47
